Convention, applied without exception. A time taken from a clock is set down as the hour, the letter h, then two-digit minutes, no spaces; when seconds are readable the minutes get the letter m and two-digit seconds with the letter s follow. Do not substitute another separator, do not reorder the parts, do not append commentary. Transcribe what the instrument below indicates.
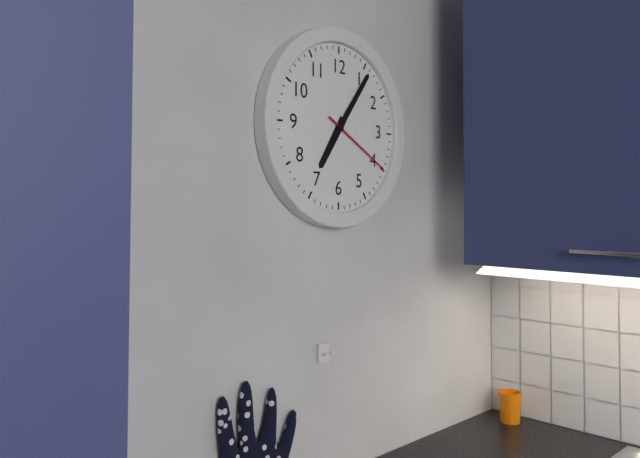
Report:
7h06m20s
